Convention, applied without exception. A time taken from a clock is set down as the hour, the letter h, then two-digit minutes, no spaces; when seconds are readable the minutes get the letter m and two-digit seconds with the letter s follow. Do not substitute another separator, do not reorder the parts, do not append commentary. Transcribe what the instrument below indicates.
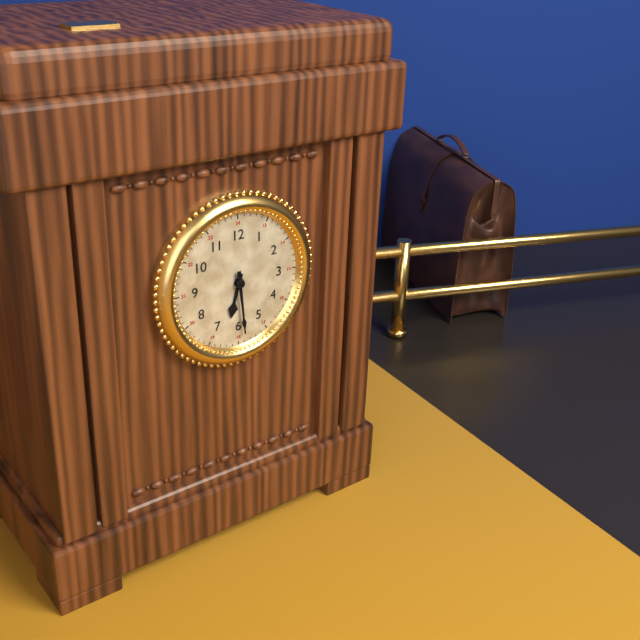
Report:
6h29
